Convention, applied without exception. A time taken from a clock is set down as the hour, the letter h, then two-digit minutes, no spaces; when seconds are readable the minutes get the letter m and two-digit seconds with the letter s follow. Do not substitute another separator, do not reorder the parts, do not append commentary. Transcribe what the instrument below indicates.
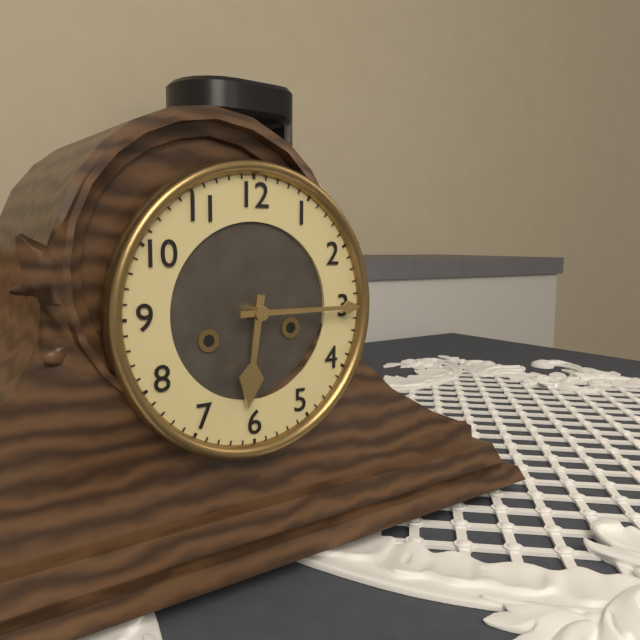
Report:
6h15
